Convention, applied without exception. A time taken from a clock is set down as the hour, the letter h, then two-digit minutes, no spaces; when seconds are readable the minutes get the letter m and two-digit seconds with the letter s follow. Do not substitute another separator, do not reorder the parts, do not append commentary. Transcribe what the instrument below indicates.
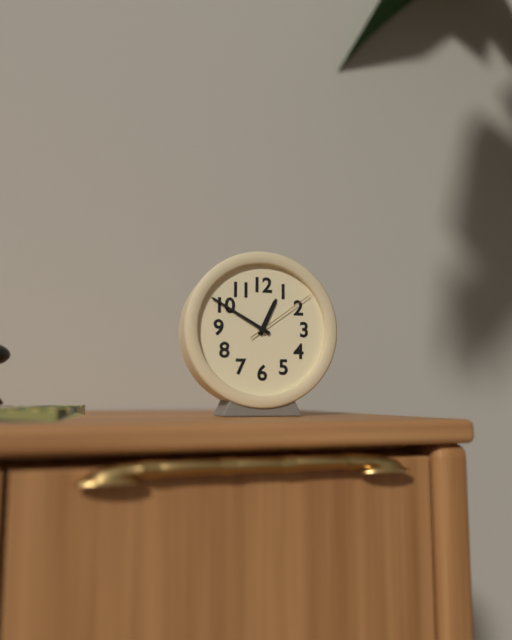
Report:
12h50m09s
